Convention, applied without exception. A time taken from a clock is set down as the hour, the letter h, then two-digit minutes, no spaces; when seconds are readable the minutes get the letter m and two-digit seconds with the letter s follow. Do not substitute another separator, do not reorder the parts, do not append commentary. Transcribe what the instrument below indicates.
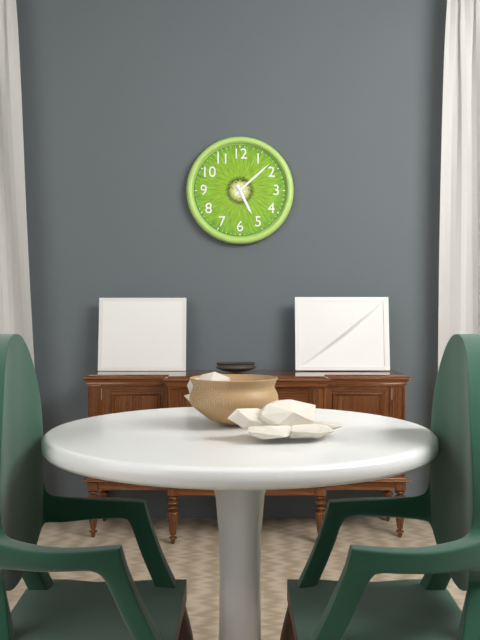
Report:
5h08
